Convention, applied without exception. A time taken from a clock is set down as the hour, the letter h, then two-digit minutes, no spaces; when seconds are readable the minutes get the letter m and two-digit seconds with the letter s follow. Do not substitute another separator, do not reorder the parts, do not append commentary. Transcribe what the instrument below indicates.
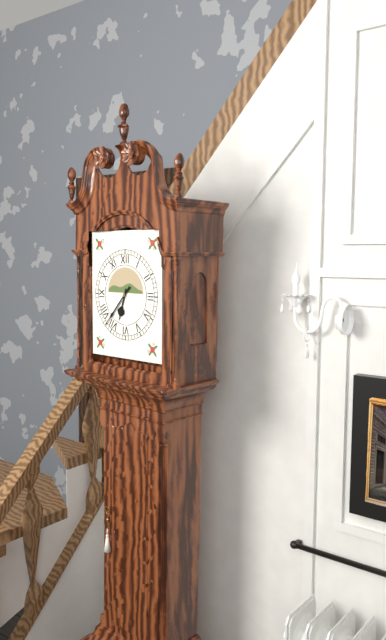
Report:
6h37
